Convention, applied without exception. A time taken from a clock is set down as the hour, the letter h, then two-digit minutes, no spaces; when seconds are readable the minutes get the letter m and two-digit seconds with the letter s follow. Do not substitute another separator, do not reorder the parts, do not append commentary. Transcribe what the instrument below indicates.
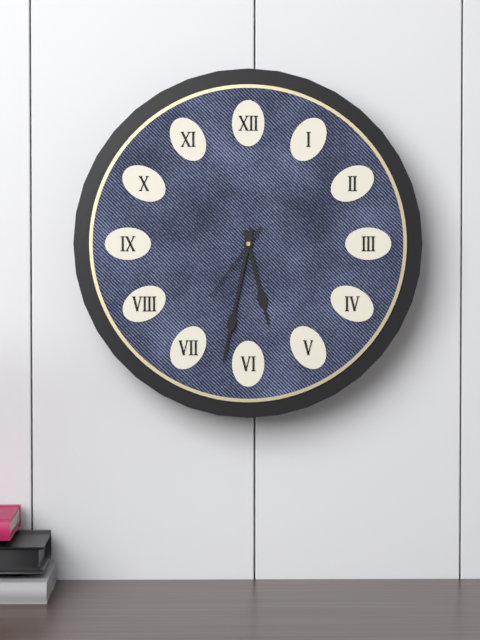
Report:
5h32m36s
